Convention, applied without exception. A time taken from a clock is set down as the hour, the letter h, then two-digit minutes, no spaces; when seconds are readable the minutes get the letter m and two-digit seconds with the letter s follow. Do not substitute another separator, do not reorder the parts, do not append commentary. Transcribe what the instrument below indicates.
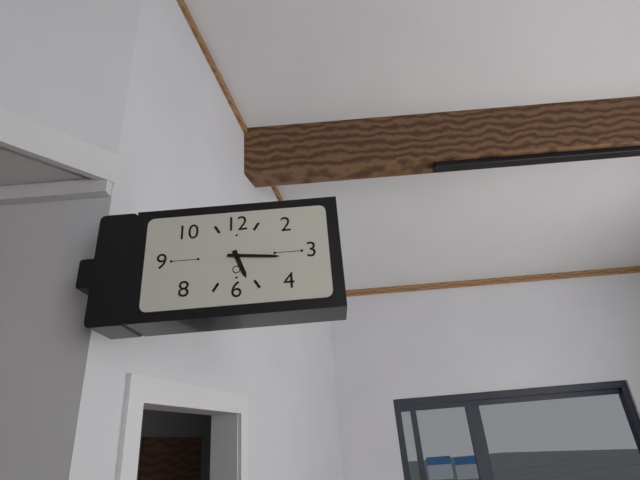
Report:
5h16
